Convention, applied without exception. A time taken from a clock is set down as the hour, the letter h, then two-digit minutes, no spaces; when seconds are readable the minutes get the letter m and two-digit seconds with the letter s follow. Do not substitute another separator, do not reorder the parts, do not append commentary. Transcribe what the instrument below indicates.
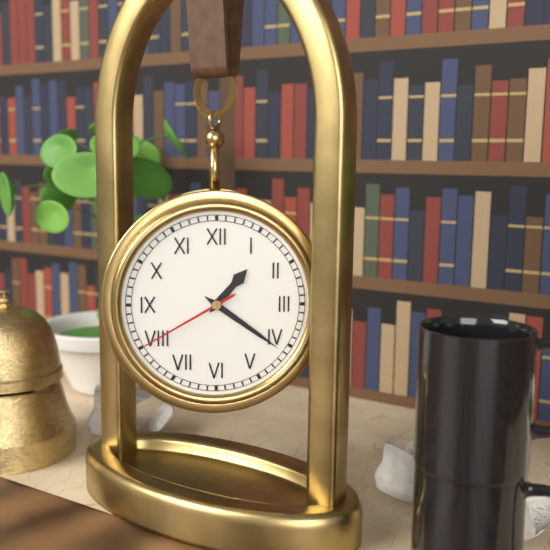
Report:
1h21m40s
